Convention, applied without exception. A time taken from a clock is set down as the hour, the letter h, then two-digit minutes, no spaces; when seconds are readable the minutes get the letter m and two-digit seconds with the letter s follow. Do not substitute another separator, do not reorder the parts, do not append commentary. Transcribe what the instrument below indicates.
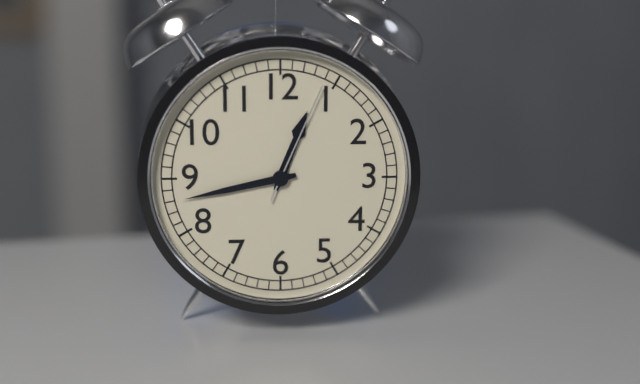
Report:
12h43m04s
